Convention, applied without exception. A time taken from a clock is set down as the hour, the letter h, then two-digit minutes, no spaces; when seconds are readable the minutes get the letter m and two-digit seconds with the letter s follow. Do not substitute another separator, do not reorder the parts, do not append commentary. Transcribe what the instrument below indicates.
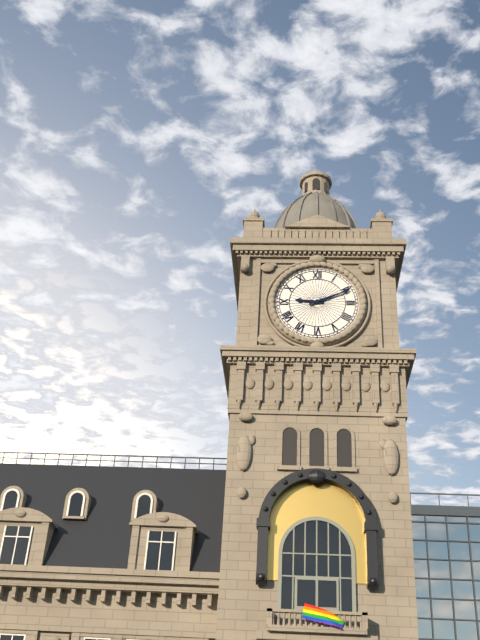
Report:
9h11
